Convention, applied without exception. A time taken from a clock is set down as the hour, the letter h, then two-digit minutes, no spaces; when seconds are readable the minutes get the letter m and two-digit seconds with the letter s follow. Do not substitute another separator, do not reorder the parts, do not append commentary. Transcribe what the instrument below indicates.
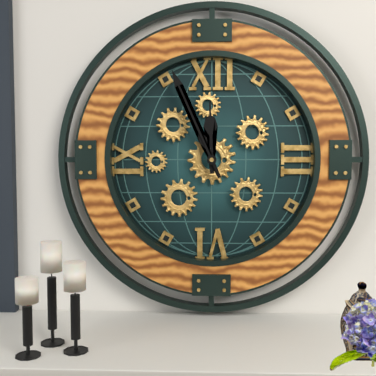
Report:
11h56
